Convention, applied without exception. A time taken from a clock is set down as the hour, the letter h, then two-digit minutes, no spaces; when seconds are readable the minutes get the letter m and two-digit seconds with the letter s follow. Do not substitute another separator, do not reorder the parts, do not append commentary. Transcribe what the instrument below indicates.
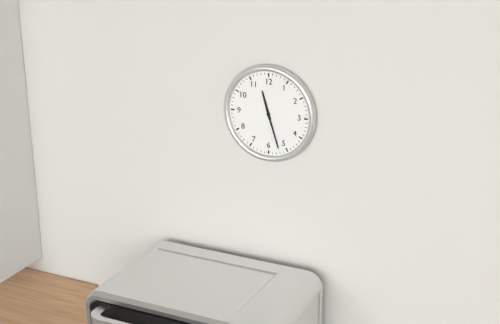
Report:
11h27
